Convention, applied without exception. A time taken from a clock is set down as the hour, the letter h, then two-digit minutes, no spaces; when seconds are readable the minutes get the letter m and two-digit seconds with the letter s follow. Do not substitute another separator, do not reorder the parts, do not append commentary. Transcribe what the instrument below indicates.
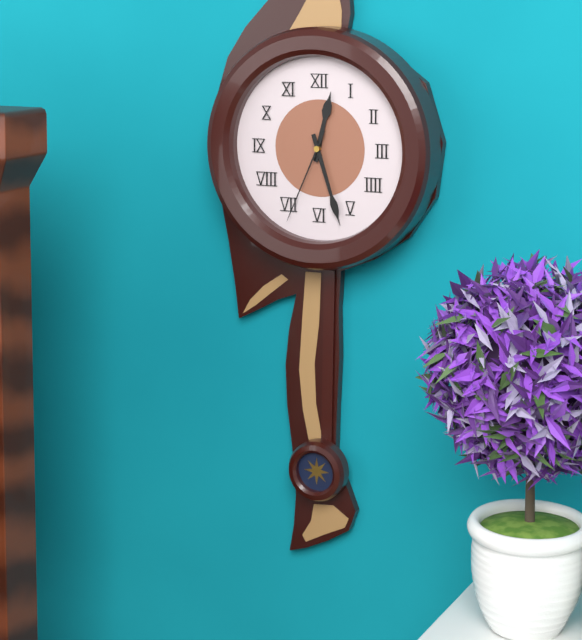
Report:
12h27m34s
